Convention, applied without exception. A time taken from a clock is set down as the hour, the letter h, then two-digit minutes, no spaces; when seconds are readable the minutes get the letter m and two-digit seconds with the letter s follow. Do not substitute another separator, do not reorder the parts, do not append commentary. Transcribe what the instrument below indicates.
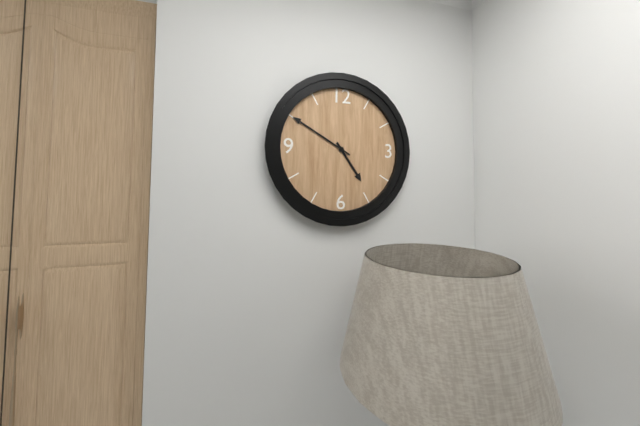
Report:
4h50
